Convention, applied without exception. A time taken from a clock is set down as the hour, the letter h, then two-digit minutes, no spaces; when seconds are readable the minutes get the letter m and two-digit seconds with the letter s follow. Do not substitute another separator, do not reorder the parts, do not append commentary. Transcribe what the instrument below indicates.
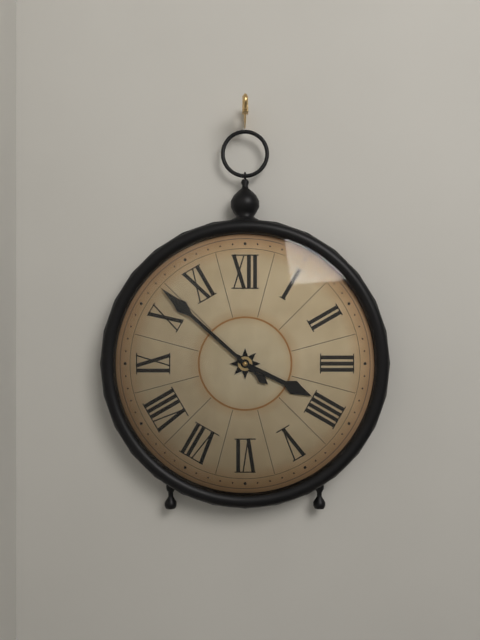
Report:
3h52
